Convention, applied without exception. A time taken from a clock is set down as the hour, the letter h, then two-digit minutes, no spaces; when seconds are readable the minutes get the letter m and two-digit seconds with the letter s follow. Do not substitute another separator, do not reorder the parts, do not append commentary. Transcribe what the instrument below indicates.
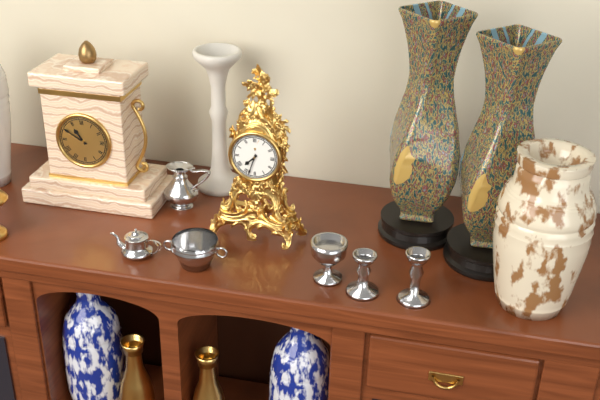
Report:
7h33
